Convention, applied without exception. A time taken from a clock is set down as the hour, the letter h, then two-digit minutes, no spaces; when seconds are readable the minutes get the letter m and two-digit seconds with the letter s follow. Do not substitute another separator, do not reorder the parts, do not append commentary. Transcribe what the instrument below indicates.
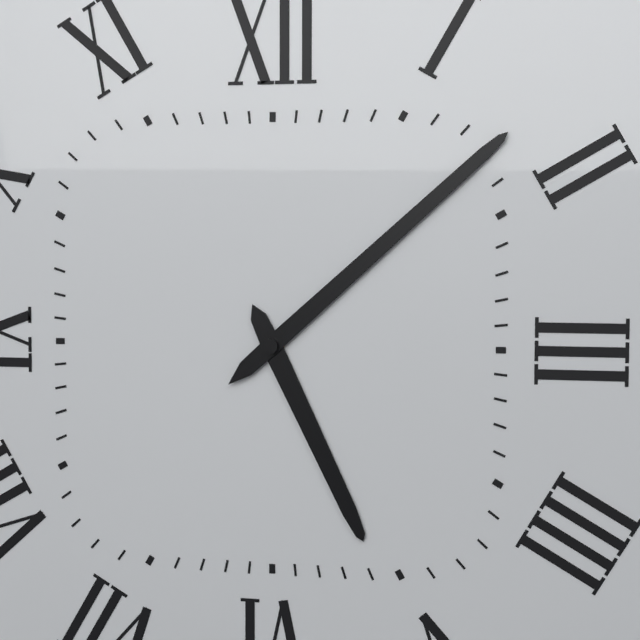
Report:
5h08
